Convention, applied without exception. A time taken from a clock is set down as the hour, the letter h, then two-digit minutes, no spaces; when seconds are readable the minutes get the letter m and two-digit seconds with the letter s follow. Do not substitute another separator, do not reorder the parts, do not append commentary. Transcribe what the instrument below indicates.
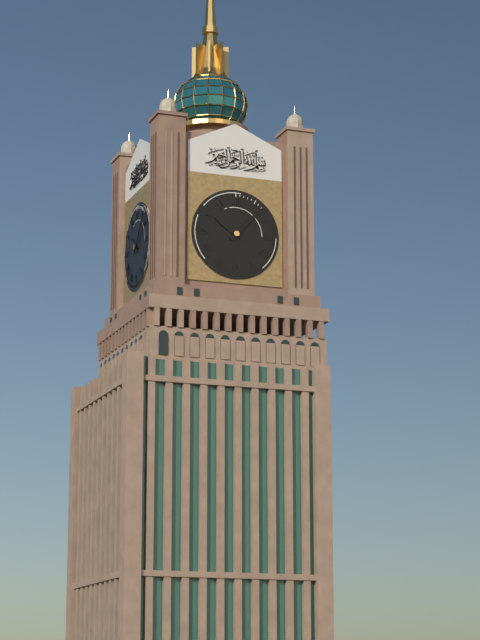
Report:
10h07
